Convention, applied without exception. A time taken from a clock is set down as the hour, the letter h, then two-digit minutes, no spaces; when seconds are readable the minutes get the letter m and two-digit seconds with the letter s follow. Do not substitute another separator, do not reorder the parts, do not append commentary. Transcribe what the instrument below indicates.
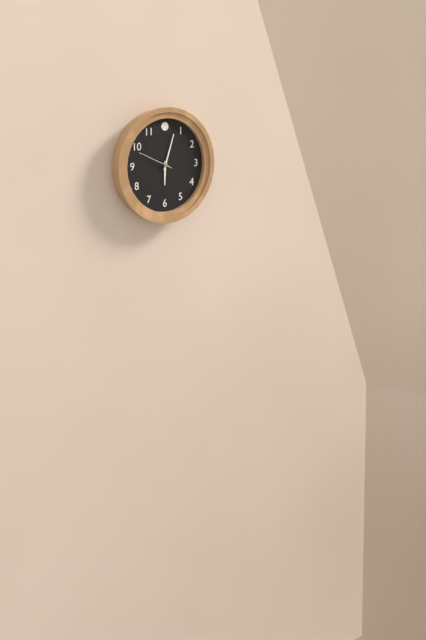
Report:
6h03
